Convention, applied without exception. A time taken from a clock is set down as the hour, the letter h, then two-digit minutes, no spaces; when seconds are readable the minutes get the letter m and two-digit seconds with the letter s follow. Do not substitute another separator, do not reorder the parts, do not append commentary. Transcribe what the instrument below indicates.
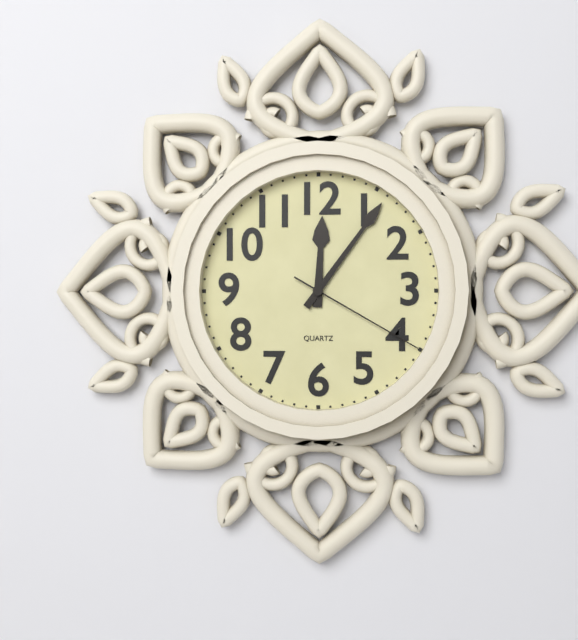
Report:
12h06m20s
